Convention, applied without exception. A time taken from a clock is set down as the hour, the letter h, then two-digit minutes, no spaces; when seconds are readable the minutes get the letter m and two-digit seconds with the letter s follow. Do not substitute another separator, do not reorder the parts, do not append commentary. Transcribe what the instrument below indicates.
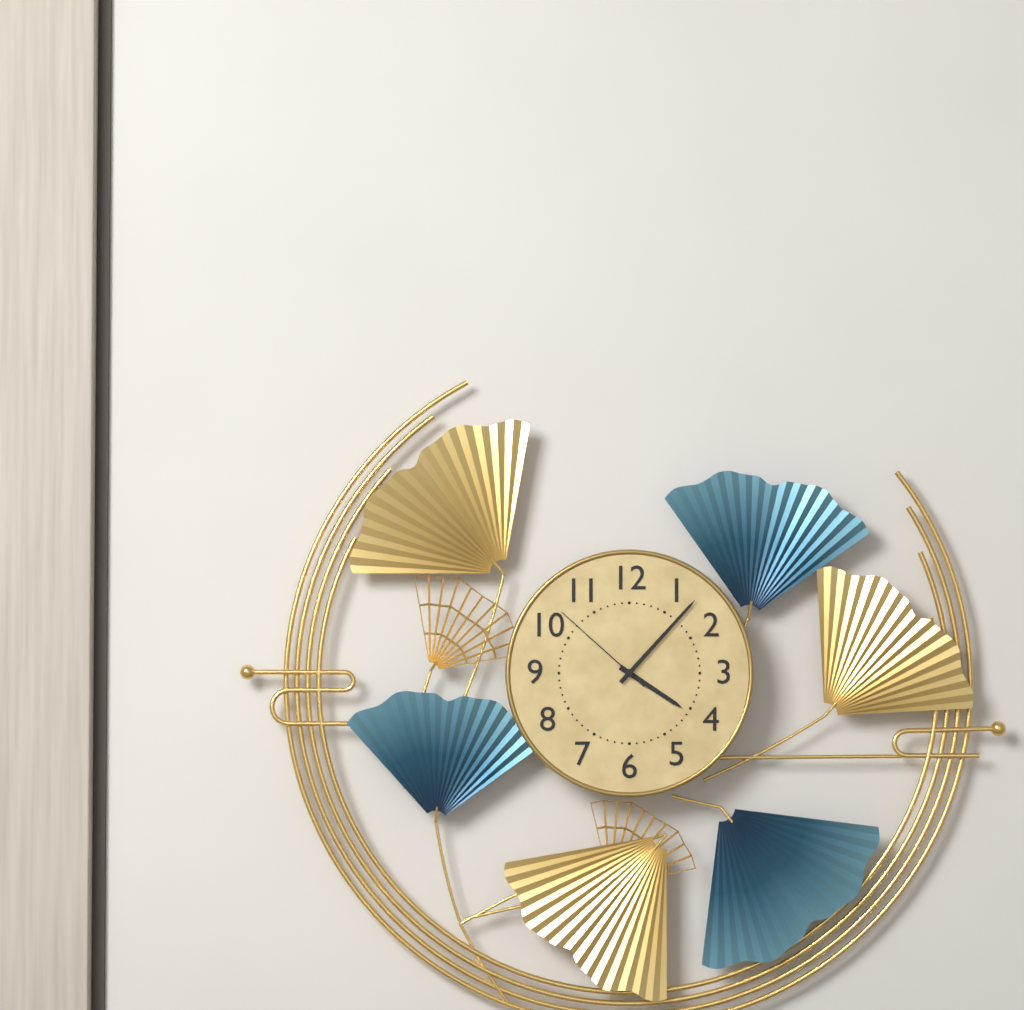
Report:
4h07m52s
